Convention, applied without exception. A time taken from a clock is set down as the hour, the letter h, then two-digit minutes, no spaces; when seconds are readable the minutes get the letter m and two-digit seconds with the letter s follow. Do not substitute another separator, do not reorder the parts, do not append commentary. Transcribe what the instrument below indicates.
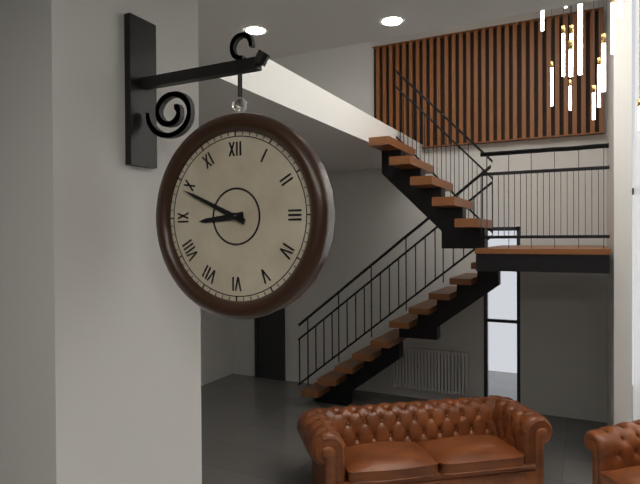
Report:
8h49
